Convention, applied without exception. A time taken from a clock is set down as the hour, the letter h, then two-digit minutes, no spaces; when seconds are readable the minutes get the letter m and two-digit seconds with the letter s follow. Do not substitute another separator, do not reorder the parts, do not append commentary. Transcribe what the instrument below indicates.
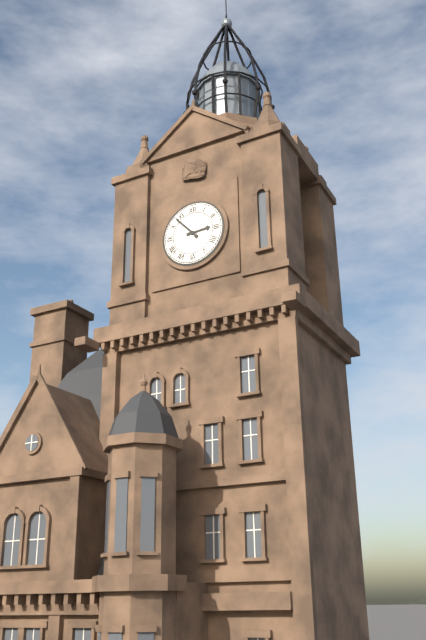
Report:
2h53
